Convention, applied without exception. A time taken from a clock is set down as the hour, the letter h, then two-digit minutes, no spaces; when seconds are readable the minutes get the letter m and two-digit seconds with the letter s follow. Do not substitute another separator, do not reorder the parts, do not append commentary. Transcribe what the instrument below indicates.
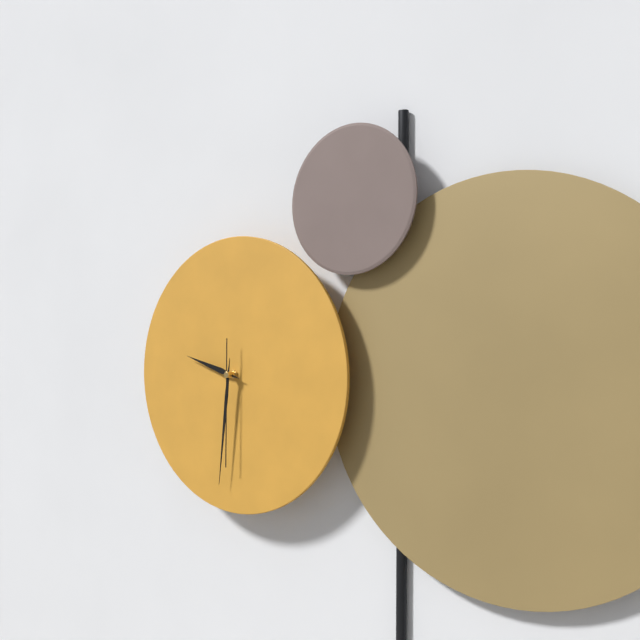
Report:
9h31m30s
